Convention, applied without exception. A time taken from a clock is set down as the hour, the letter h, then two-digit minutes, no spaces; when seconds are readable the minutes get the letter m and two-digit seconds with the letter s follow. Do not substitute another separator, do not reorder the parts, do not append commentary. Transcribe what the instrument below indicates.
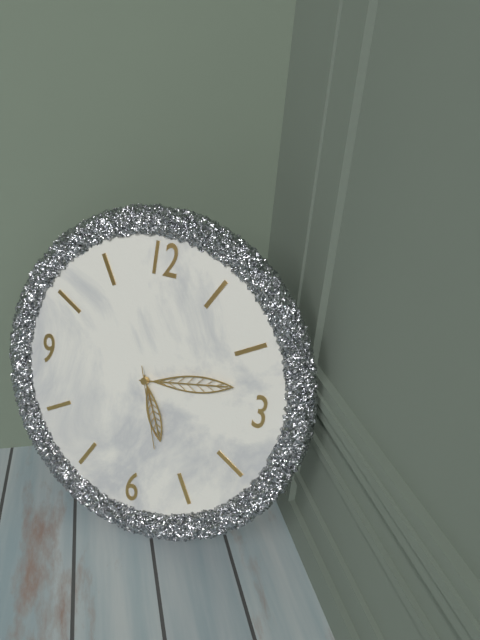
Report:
5h13m27s
